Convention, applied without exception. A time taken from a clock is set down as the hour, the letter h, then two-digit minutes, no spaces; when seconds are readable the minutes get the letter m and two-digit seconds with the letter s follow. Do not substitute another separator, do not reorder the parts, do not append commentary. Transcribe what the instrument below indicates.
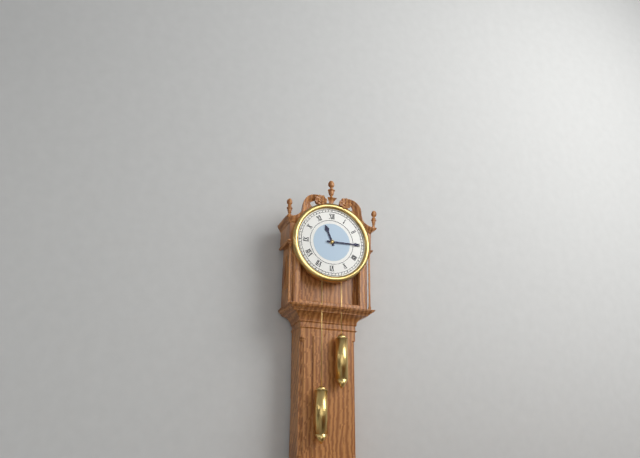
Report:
11h15
